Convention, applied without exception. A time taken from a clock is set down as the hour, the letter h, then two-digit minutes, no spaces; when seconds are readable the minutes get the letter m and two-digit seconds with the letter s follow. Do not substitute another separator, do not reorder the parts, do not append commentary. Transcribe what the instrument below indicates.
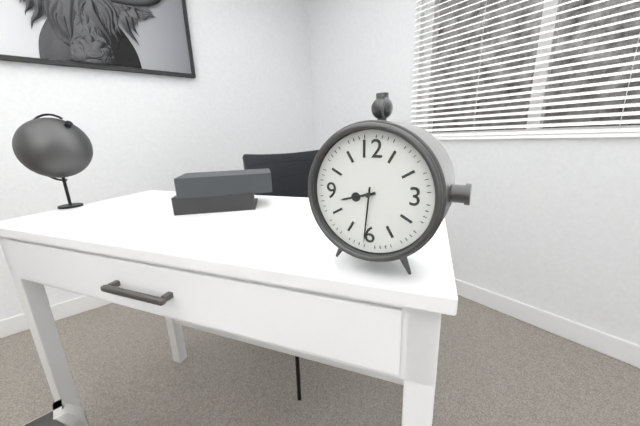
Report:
8h31
